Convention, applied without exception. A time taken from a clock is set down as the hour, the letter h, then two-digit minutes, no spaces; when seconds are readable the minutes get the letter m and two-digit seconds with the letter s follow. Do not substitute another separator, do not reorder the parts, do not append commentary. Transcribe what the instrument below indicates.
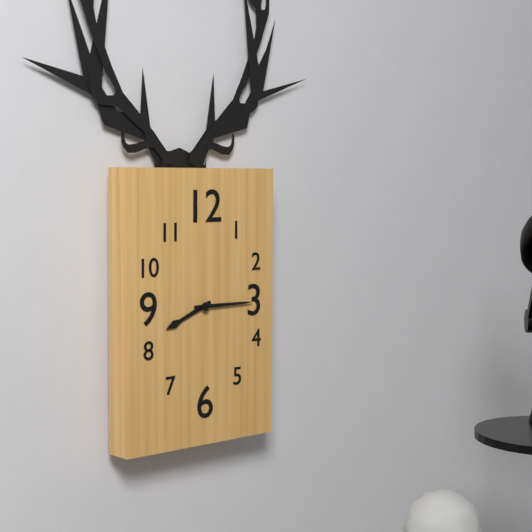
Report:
8h15
